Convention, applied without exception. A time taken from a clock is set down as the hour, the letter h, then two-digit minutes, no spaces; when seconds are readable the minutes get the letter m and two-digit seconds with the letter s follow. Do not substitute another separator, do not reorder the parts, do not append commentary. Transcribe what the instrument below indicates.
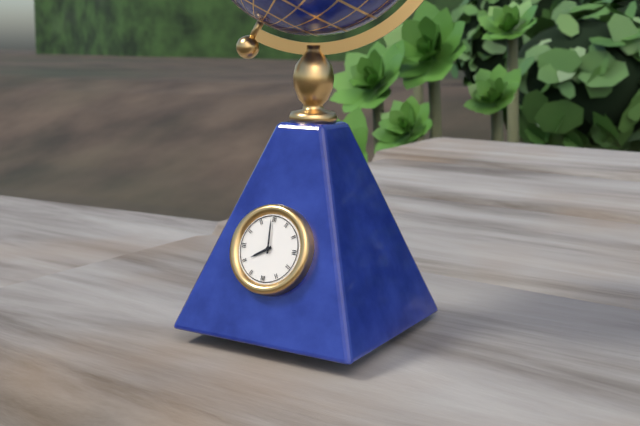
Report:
7h59
